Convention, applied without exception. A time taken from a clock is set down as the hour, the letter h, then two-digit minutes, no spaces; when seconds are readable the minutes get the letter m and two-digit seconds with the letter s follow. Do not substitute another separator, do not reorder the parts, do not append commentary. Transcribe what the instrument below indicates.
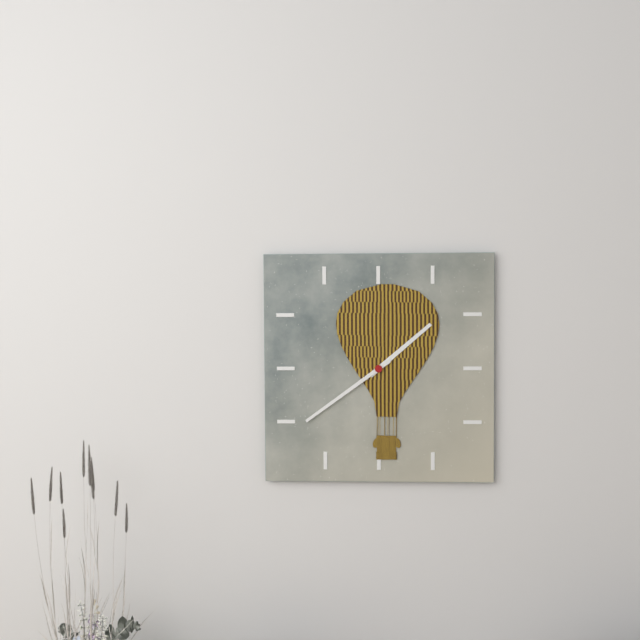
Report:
1h39
